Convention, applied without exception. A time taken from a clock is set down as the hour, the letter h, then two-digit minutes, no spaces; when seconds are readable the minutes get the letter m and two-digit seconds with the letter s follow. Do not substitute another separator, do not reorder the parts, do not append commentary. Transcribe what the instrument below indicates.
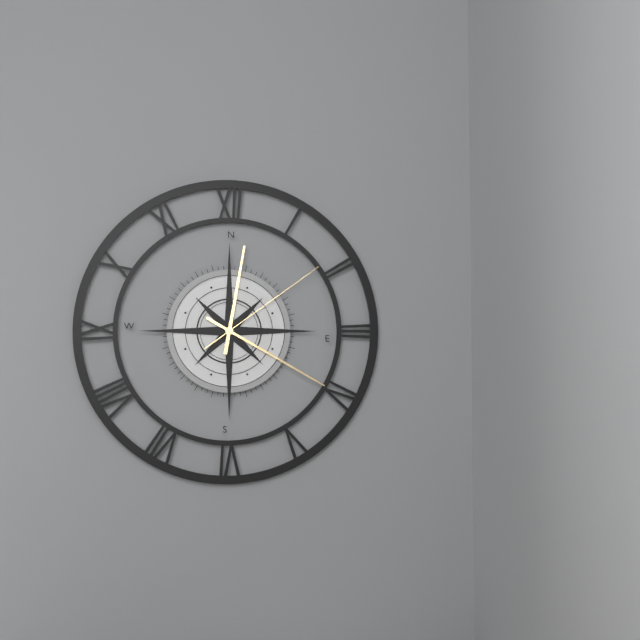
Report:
12h20m09s
